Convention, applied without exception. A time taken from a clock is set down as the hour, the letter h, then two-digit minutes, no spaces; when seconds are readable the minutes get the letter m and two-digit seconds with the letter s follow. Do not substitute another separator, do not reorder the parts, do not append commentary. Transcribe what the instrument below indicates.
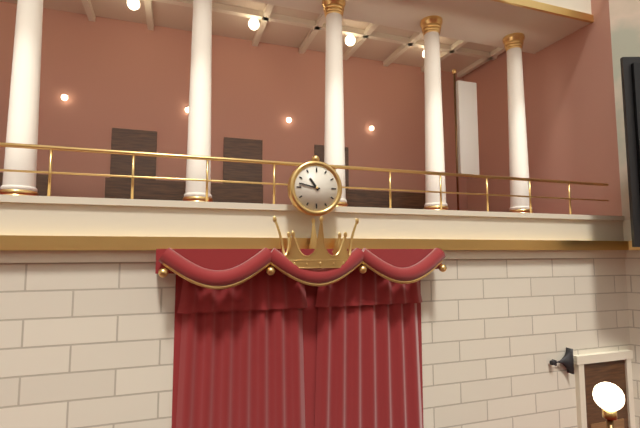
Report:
10h47
